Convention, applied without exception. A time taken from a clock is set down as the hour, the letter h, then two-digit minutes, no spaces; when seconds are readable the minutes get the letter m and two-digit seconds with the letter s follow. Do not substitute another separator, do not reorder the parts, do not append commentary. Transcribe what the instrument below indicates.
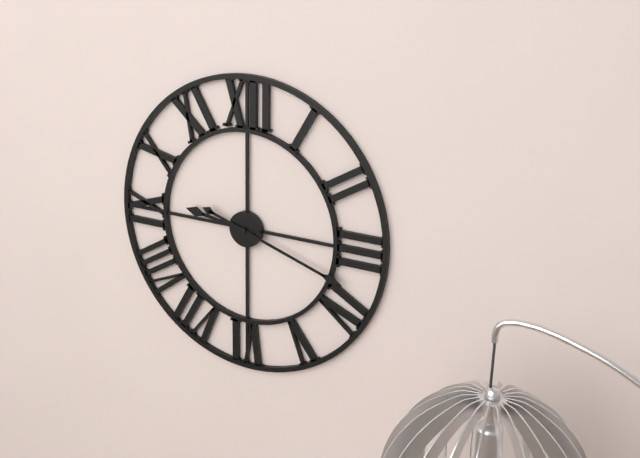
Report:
9h18
